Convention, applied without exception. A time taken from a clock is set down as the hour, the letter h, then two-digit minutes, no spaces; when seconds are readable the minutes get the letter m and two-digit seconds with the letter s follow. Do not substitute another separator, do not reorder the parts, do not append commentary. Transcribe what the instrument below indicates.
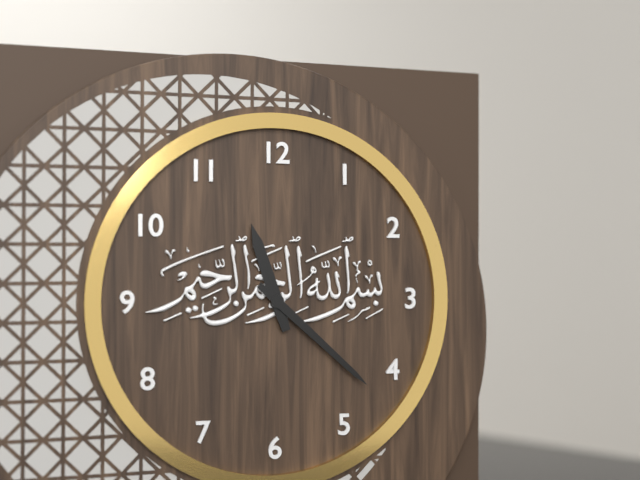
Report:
11h22
